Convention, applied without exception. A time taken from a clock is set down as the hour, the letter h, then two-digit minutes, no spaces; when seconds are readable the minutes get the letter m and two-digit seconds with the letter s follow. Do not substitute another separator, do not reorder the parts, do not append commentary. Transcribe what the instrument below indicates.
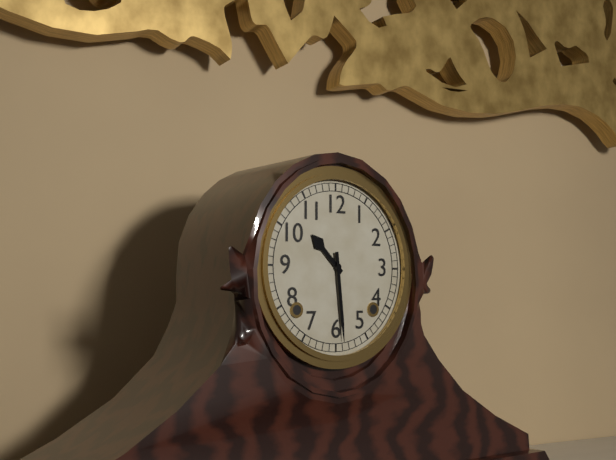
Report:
10h29
